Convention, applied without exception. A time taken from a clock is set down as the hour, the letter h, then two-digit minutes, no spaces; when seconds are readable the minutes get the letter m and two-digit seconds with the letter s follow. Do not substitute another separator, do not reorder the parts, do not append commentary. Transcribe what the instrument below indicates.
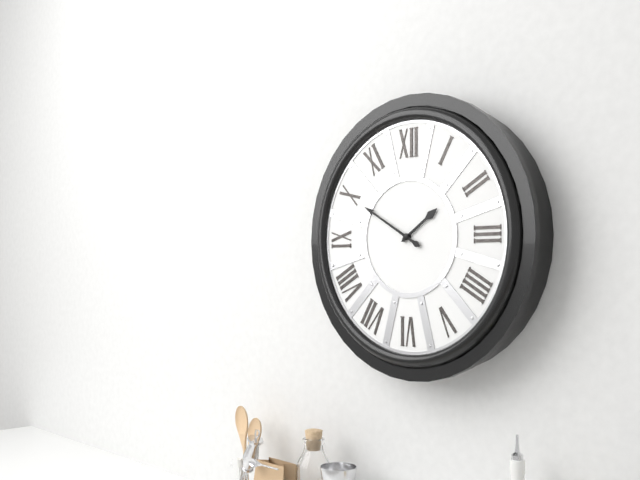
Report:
1h50
